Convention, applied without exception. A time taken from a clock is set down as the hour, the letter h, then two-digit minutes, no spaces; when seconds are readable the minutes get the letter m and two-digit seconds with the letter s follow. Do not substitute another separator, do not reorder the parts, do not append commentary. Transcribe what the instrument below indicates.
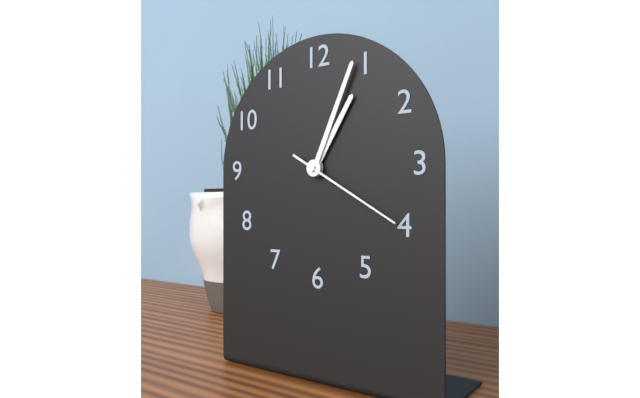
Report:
1h04m20s
